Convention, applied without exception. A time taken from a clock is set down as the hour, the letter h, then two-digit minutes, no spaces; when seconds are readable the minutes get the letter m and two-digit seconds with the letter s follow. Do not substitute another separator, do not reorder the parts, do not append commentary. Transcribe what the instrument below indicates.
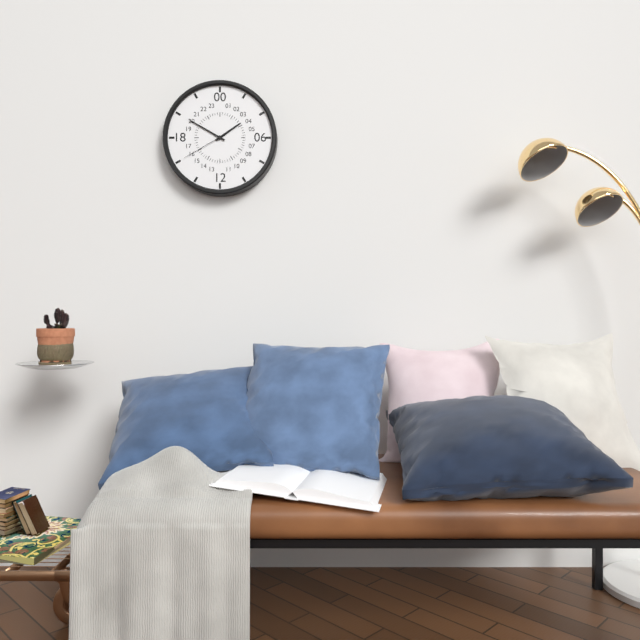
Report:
1h50m40s
